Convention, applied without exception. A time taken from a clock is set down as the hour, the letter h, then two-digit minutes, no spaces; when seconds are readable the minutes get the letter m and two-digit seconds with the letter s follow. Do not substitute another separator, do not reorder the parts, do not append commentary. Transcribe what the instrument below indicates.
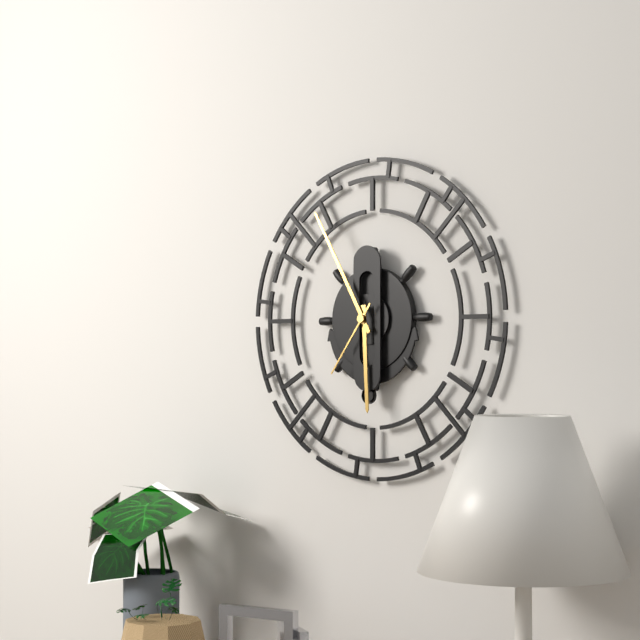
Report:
5h55m36s
